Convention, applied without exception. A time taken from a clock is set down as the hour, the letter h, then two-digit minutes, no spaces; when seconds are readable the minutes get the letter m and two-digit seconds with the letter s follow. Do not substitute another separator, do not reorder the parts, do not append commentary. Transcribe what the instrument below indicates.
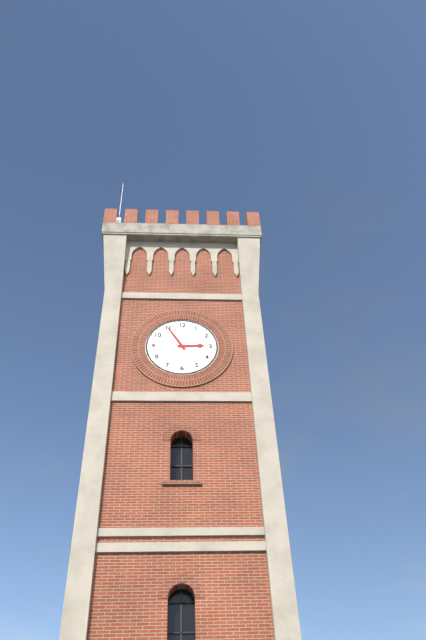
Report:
2h55
